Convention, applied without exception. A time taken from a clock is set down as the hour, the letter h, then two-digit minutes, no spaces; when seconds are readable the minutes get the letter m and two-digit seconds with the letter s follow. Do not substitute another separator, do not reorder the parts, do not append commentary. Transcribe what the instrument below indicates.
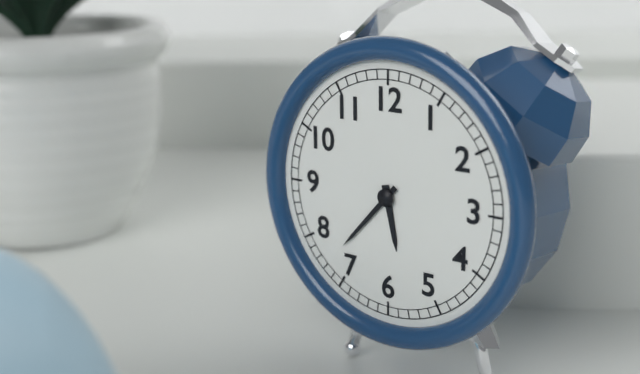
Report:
5h37
